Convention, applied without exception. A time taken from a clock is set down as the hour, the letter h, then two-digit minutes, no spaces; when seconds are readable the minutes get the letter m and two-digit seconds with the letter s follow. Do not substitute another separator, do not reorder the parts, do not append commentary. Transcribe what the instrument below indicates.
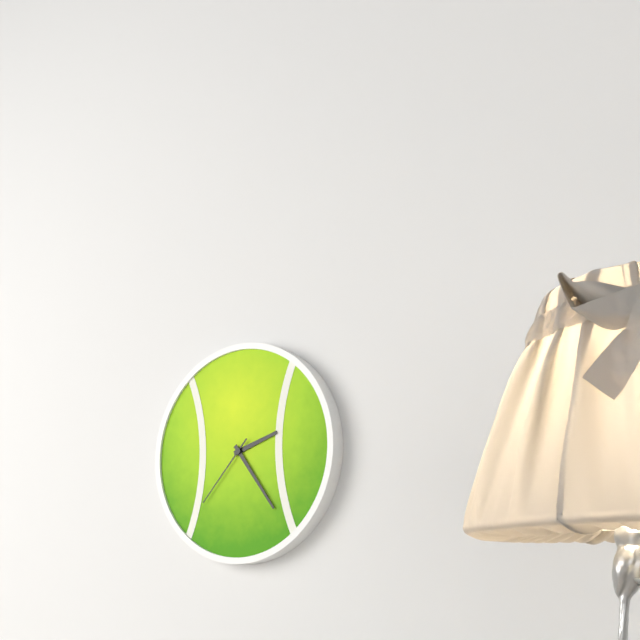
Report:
2h24m37s
